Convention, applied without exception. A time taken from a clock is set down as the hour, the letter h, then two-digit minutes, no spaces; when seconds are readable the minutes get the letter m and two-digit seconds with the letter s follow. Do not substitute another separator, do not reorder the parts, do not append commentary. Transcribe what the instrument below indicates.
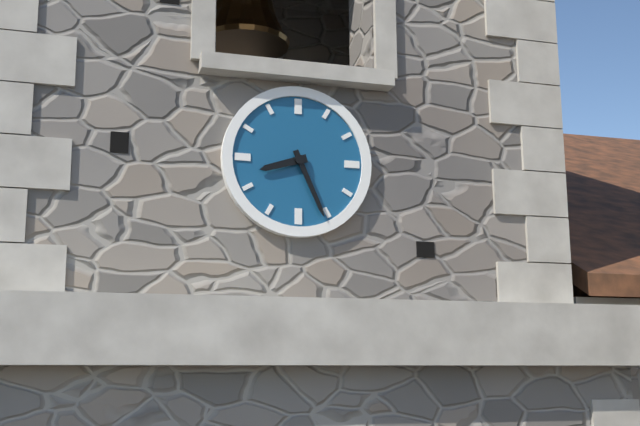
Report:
8h26
